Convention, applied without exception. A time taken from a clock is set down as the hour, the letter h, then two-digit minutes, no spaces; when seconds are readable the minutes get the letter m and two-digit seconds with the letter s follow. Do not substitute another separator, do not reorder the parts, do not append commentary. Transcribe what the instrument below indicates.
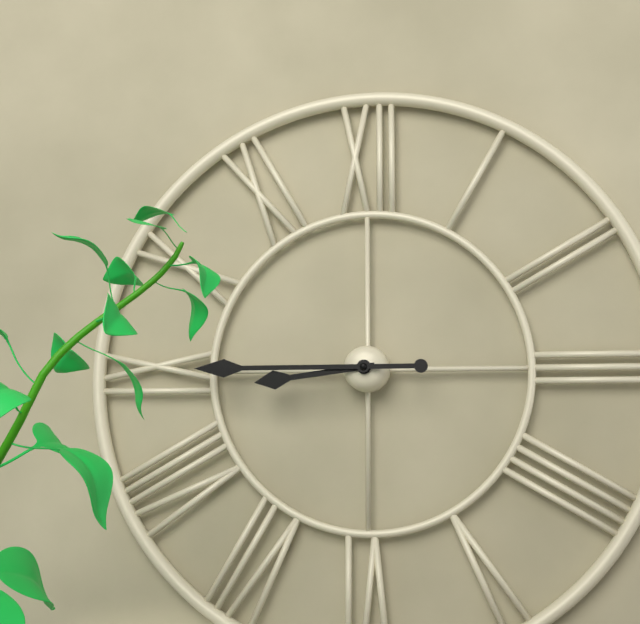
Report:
8h45
